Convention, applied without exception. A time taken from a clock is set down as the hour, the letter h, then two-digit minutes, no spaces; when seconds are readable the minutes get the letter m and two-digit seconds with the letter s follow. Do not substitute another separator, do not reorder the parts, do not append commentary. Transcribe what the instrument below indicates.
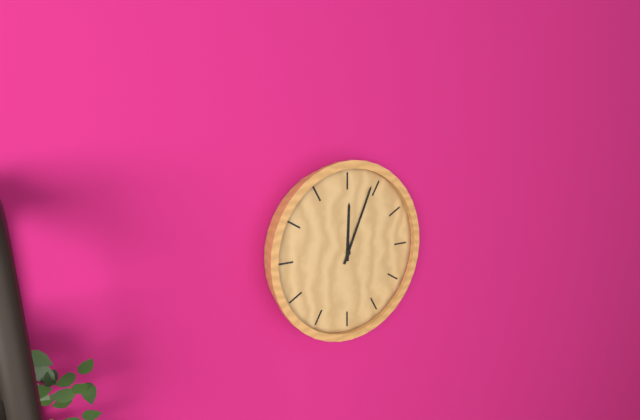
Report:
12h04
